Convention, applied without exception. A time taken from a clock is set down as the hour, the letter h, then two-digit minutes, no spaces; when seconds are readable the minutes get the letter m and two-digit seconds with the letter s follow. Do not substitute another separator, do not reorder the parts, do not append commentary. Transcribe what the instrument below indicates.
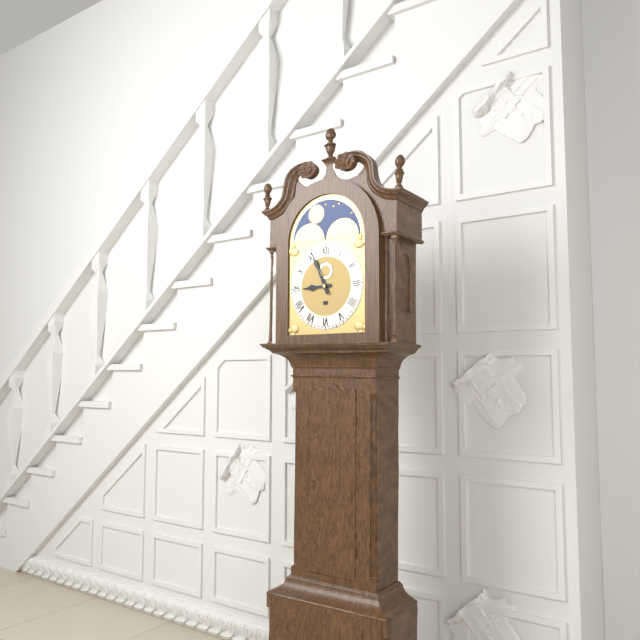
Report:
8h56
